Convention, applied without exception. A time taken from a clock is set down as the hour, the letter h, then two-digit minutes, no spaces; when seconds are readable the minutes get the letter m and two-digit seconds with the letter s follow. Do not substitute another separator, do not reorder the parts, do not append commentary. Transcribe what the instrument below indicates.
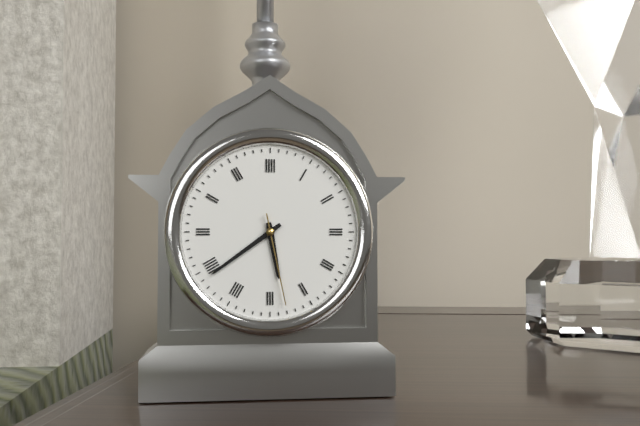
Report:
5h39m28s
